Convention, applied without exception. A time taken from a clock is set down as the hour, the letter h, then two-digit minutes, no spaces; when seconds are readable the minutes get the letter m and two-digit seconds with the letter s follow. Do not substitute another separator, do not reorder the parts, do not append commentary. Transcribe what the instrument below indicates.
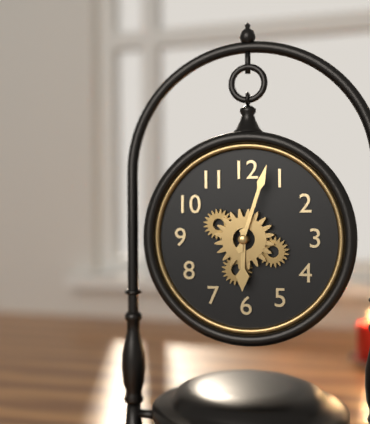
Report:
6h03
